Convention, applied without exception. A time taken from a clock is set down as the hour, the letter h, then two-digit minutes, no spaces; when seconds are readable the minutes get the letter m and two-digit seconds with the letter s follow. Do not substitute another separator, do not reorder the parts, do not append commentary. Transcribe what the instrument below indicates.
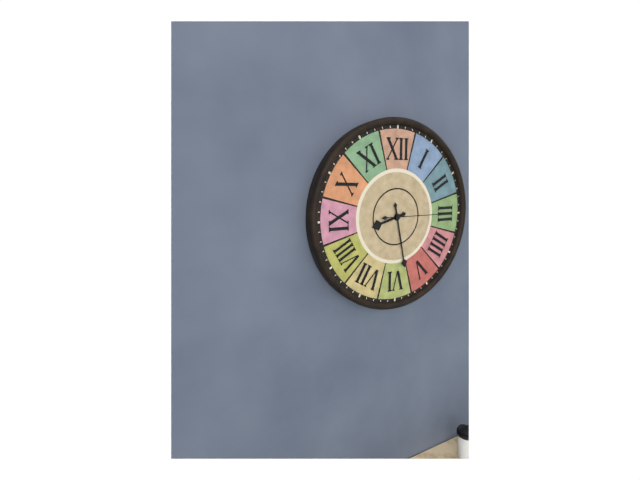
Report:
8h28m15s
